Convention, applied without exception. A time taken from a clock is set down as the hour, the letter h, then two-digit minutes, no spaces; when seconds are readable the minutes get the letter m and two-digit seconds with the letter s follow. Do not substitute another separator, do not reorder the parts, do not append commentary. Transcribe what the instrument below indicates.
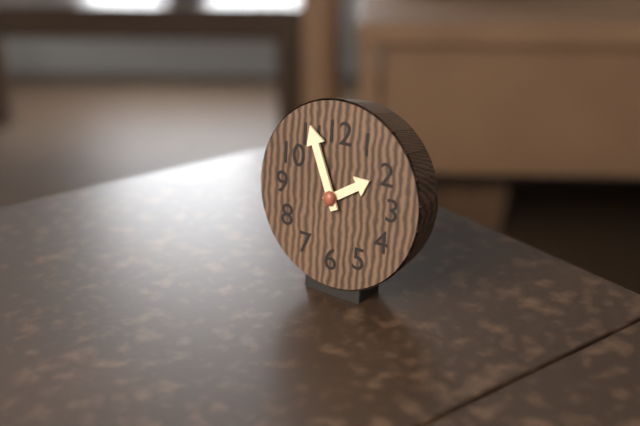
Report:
1h56
